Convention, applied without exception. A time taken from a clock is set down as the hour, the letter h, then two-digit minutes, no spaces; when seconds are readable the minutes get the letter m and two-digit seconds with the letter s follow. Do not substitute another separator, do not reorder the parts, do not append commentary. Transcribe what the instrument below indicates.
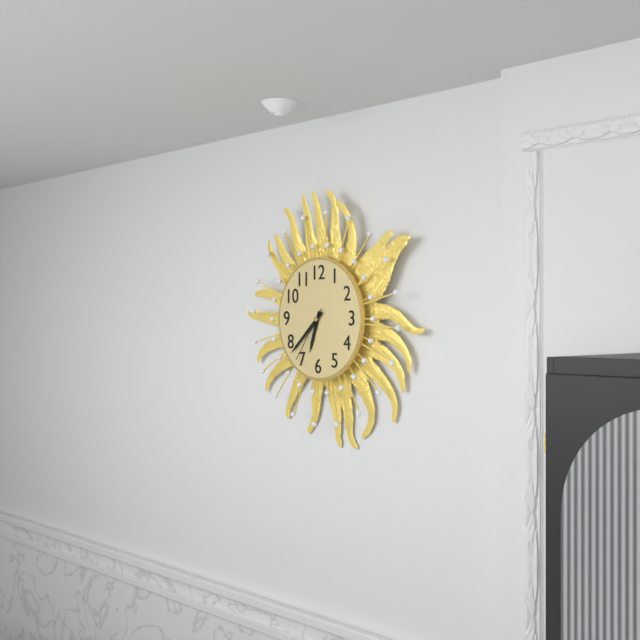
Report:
6h38m36s
